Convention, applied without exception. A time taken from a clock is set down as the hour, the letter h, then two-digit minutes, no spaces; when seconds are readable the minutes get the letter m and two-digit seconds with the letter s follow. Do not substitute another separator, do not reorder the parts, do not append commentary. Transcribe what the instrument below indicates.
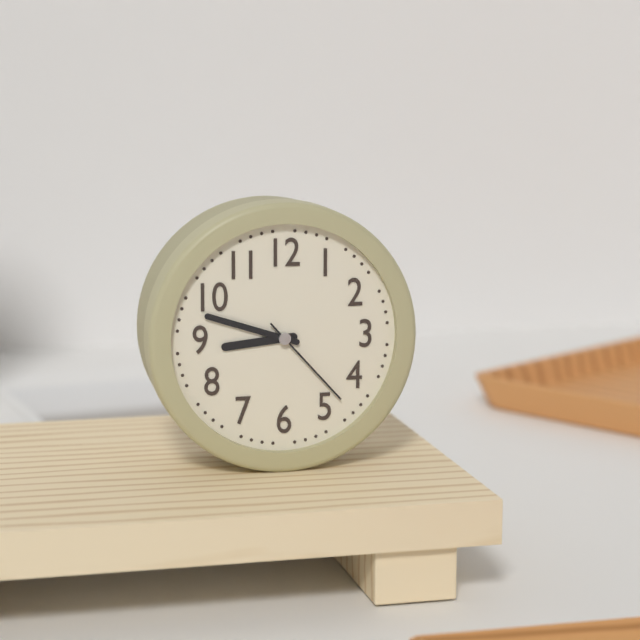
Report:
8h48m23s
